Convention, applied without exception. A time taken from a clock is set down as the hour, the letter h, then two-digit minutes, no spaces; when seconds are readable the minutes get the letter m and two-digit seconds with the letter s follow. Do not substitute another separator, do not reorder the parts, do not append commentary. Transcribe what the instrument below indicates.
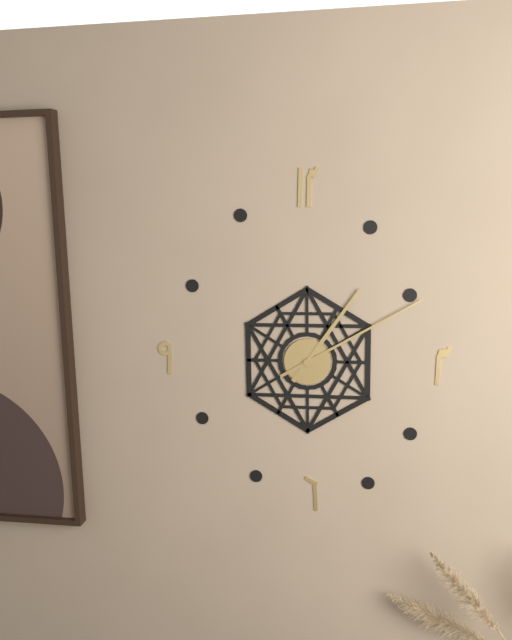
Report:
1h10
